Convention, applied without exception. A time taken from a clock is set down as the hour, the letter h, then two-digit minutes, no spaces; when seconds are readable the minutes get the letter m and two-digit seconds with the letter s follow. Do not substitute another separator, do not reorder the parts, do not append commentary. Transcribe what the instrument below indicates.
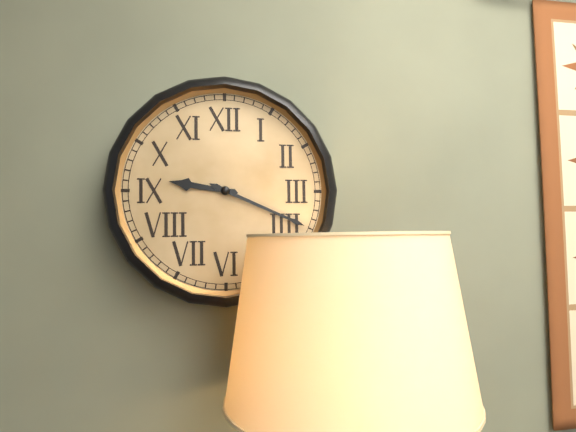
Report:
9h19
